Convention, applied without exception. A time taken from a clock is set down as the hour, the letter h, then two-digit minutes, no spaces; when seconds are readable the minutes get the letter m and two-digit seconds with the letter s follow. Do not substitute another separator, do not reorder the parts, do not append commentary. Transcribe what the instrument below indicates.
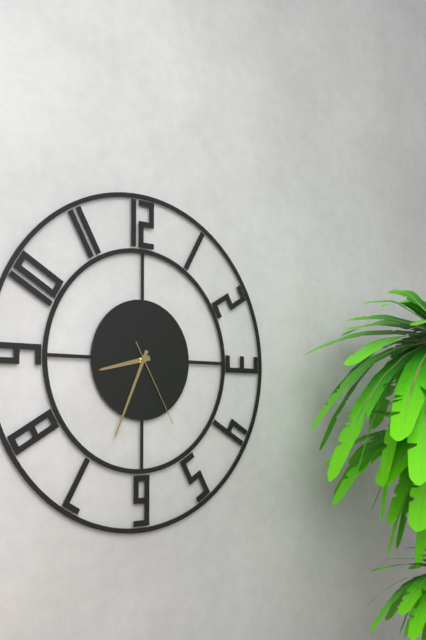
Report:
8h34m25s
